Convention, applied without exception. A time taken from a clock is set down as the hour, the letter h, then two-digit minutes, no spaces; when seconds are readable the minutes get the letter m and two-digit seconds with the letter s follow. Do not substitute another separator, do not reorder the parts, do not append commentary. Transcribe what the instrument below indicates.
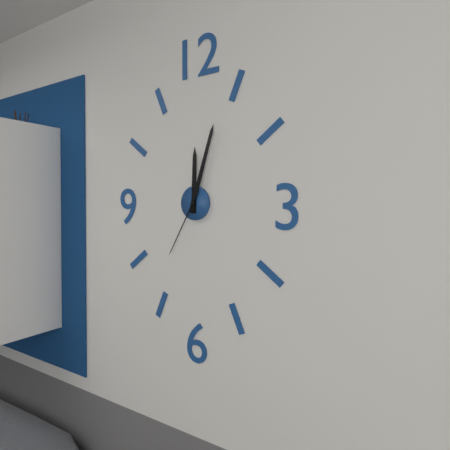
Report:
12h03m35s
